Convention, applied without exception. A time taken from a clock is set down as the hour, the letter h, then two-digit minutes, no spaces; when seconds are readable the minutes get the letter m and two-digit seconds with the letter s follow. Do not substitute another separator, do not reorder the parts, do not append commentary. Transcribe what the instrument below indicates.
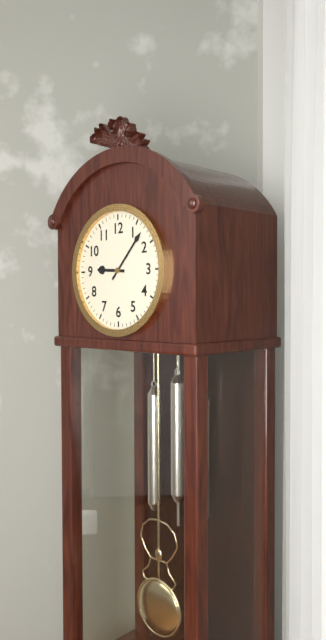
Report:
9h07
